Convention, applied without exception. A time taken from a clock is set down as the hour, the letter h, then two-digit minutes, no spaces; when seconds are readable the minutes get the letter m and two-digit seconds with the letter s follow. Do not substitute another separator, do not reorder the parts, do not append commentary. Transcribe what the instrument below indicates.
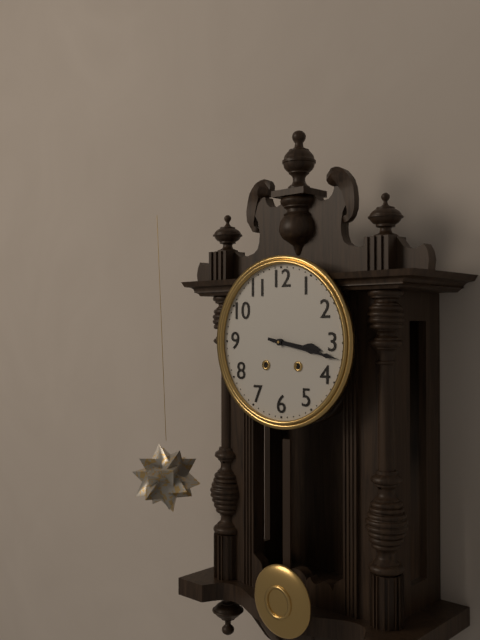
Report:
3h17
